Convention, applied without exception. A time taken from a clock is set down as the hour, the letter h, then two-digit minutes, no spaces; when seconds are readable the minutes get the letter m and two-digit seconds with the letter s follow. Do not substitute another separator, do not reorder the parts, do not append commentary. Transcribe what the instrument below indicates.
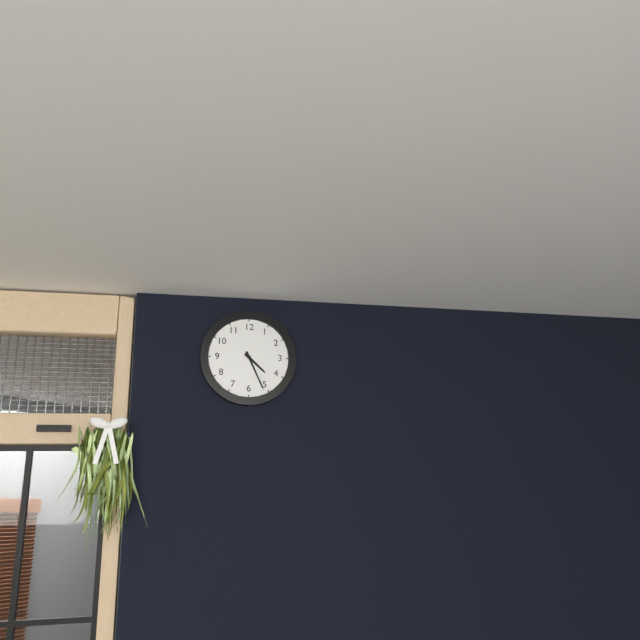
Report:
4h26
